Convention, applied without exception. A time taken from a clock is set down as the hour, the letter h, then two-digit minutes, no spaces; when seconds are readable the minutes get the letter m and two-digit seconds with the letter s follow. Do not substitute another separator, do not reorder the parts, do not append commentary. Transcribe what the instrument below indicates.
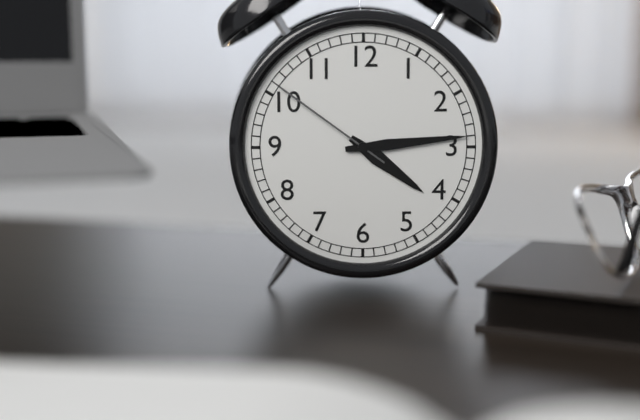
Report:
4h14m51s
